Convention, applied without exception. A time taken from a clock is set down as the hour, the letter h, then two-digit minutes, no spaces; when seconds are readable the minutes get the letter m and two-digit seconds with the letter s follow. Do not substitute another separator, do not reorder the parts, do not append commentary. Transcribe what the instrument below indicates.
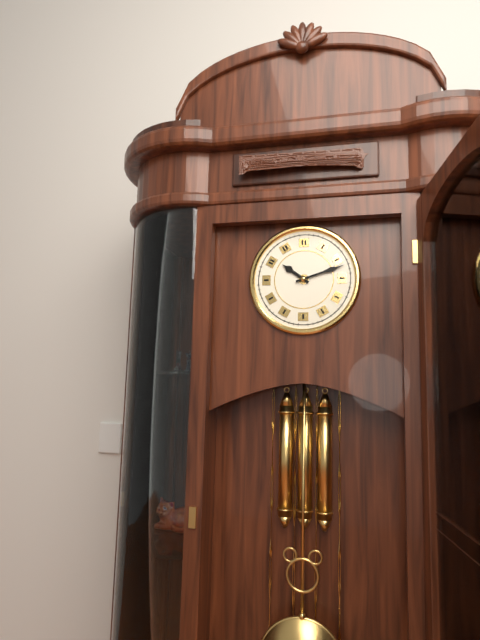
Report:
10h12
